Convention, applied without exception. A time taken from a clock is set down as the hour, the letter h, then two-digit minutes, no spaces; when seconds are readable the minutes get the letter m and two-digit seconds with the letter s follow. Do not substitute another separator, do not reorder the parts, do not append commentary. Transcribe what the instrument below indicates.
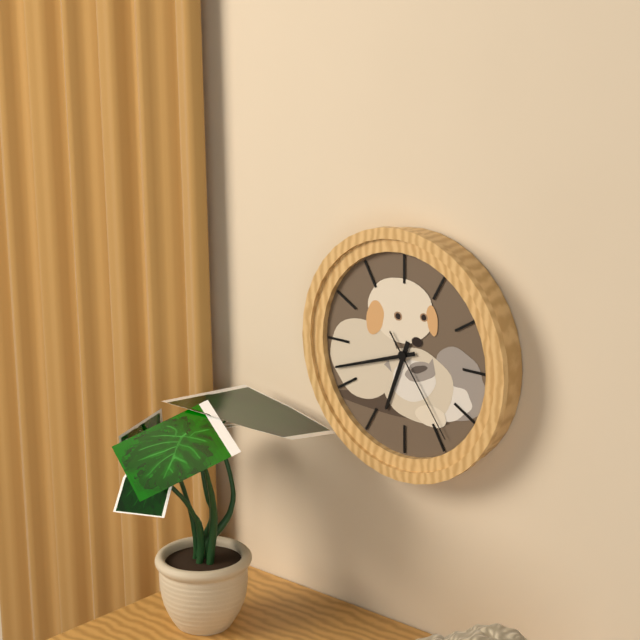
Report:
6h42m24s
